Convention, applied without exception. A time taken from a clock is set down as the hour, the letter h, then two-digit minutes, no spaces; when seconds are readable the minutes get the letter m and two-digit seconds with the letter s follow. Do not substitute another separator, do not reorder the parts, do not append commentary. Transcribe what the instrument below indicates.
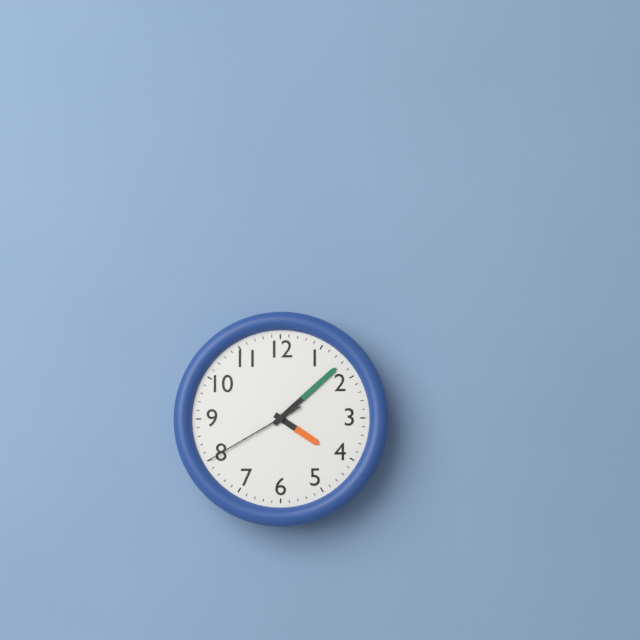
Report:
4h08m40s
